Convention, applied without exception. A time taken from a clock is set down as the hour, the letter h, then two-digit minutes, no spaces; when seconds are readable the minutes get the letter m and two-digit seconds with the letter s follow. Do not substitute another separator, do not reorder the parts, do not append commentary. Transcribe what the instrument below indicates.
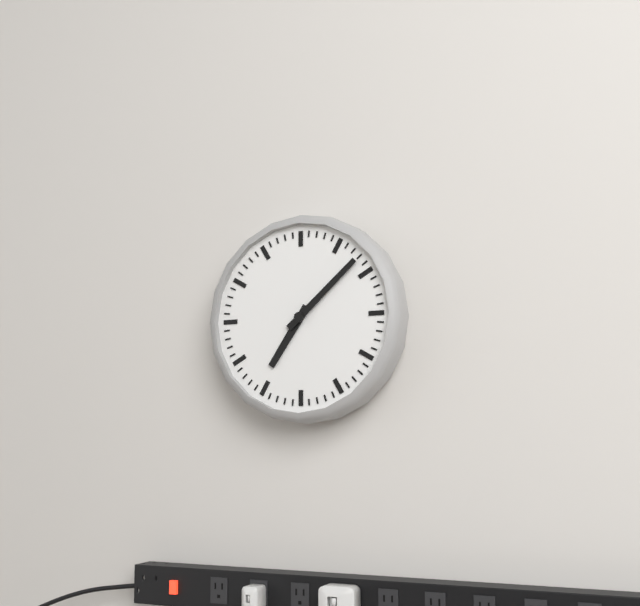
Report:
7h08
